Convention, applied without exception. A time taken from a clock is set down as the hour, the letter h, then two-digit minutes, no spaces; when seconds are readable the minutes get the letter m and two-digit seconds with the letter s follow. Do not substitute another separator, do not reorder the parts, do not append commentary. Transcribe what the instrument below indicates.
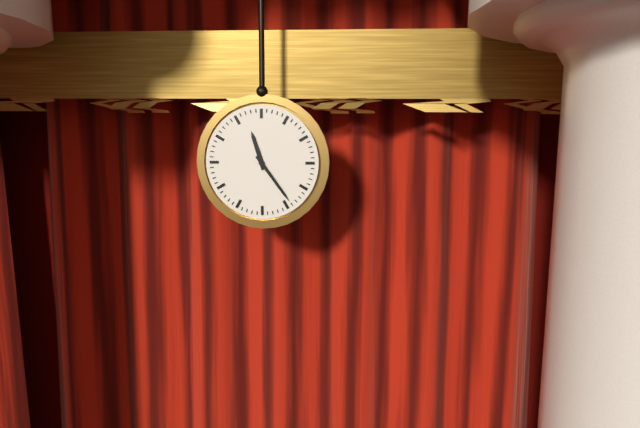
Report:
11h24
